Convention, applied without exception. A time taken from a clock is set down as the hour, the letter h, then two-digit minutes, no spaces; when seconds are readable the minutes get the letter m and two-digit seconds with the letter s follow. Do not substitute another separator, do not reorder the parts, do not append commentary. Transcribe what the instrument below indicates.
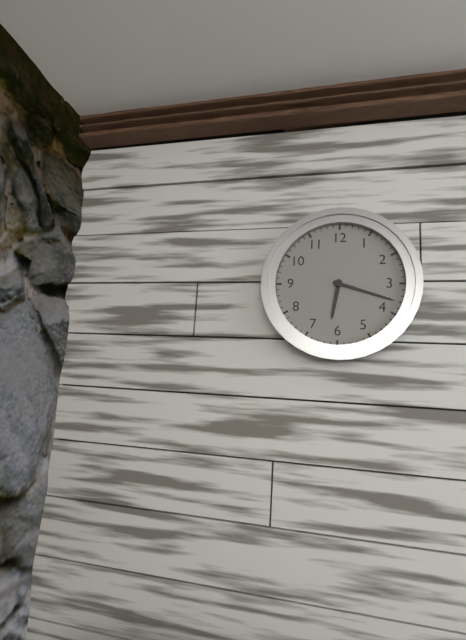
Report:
6h18
